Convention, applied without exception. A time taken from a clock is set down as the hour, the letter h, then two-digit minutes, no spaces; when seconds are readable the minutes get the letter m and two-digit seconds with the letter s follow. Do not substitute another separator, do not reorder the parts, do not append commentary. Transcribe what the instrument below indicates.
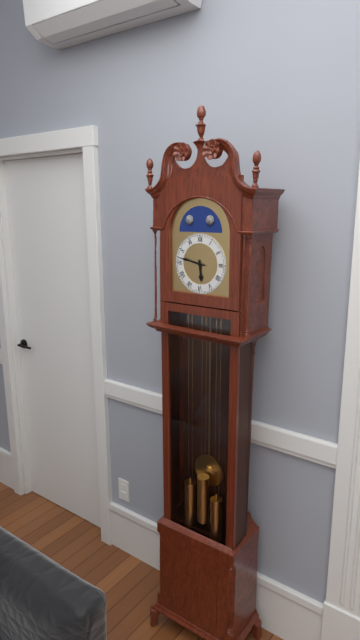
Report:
5h47
